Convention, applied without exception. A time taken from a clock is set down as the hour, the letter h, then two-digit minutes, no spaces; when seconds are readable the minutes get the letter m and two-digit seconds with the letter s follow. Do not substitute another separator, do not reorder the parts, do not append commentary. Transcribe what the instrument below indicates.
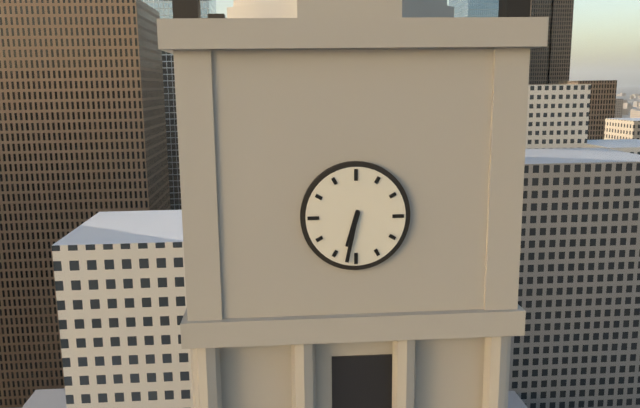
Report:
6h32
